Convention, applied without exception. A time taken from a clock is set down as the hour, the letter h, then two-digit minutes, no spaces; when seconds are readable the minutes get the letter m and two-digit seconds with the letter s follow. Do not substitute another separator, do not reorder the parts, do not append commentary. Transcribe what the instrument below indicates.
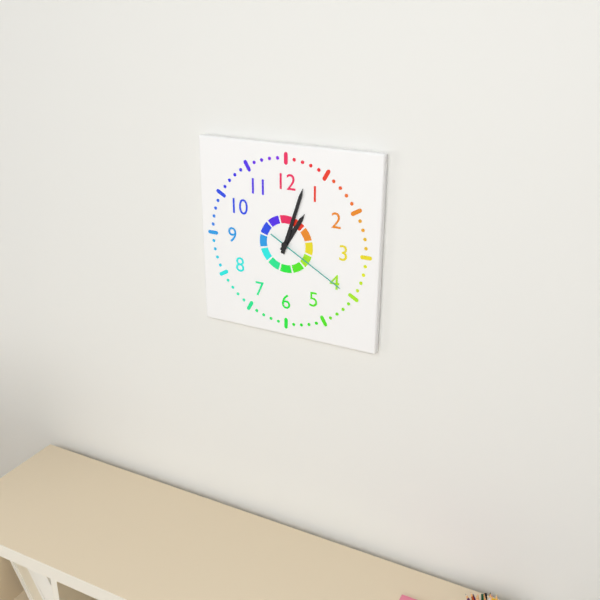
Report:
1h03m20s
